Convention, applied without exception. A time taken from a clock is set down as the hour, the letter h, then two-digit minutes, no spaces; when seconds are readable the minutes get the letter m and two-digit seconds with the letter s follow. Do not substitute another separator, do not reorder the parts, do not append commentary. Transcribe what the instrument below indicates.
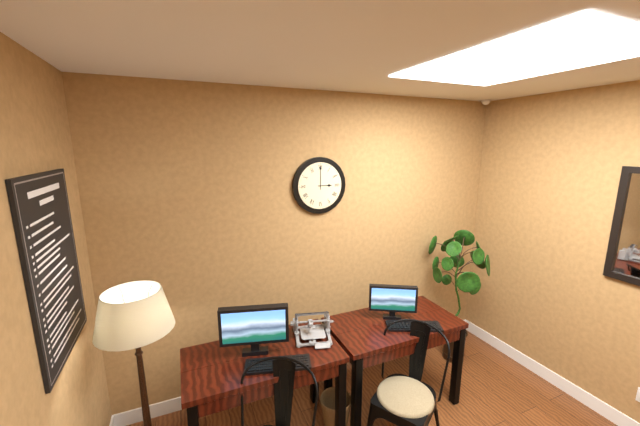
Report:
3h00
